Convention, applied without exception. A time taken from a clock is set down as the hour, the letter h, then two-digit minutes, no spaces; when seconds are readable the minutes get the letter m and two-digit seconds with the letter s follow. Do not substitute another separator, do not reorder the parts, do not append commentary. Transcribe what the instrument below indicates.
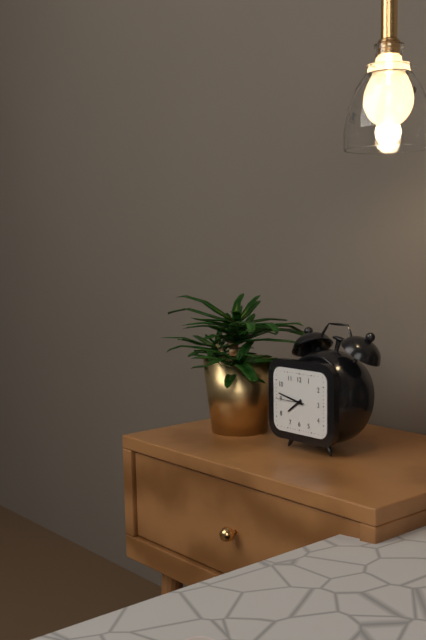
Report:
7h47
